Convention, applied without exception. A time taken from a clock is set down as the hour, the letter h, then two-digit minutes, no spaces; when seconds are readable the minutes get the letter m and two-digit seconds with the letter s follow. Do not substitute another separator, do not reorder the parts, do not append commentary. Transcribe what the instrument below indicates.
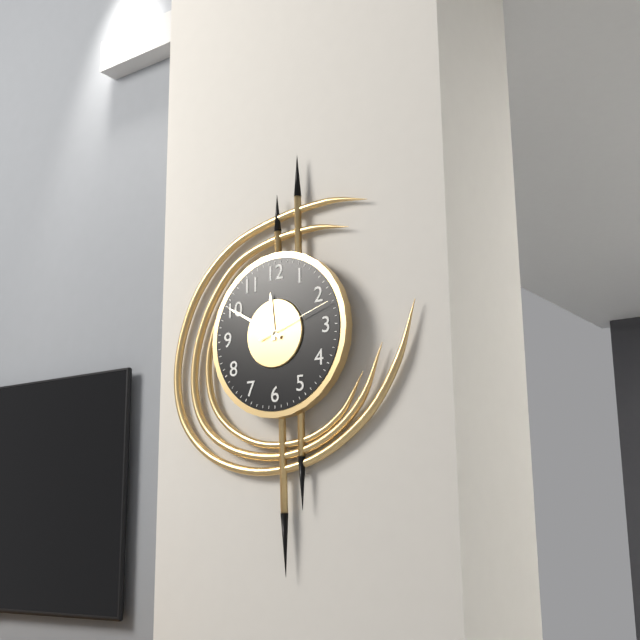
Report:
11h50m12s
